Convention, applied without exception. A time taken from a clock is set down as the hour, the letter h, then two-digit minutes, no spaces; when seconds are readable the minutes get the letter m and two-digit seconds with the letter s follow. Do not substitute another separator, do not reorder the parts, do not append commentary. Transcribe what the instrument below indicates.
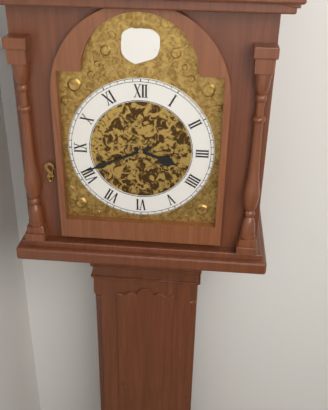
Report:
3h41
